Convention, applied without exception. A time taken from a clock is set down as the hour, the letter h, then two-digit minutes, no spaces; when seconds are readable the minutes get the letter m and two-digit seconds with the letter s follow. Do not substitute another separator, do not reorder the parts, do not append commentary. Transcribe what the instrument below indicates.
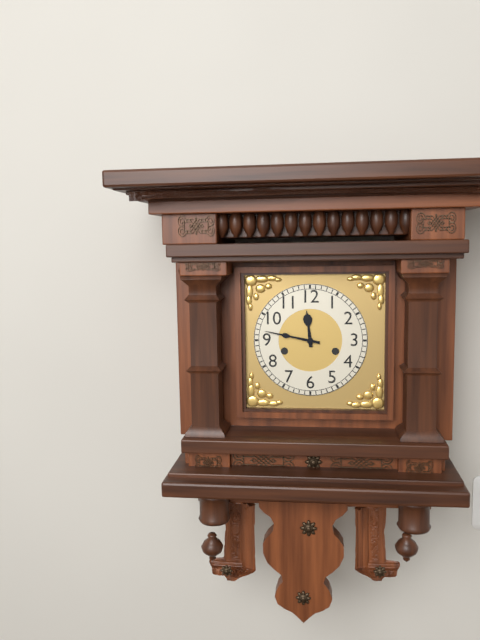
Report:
11h47
